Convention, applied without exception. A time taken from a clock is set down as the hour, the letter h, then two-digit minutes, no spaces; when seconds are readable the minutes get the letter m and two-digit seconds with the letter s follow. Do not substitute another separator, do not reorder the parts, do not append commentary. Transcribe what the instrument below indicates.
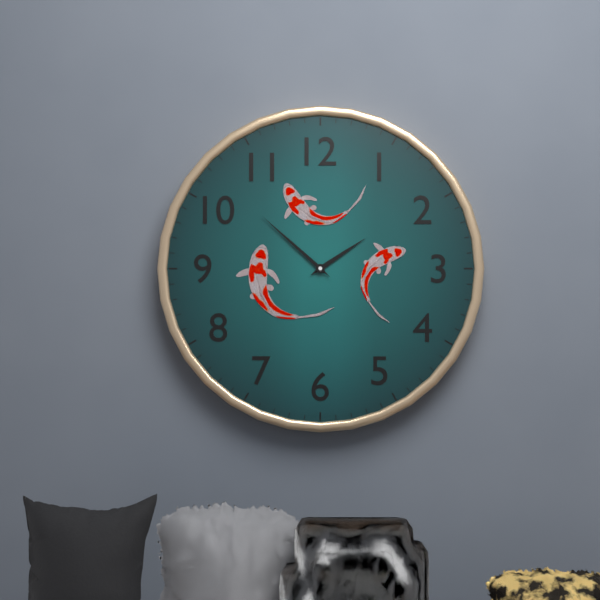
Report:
1h52
